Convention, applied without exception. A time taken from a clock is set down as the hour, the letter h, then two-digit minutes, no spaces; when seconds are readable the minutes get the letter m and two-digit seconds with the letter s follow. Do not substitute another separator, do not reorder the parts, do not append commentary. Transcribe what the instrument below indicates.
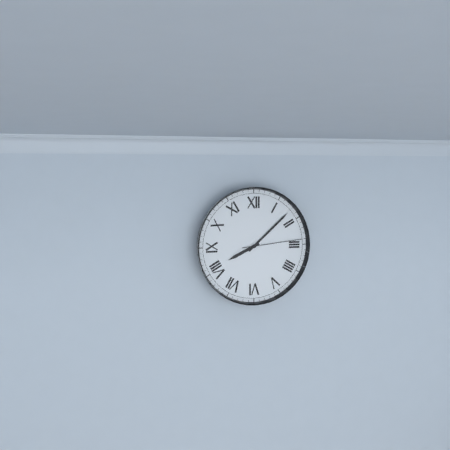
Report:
8h08m14s
